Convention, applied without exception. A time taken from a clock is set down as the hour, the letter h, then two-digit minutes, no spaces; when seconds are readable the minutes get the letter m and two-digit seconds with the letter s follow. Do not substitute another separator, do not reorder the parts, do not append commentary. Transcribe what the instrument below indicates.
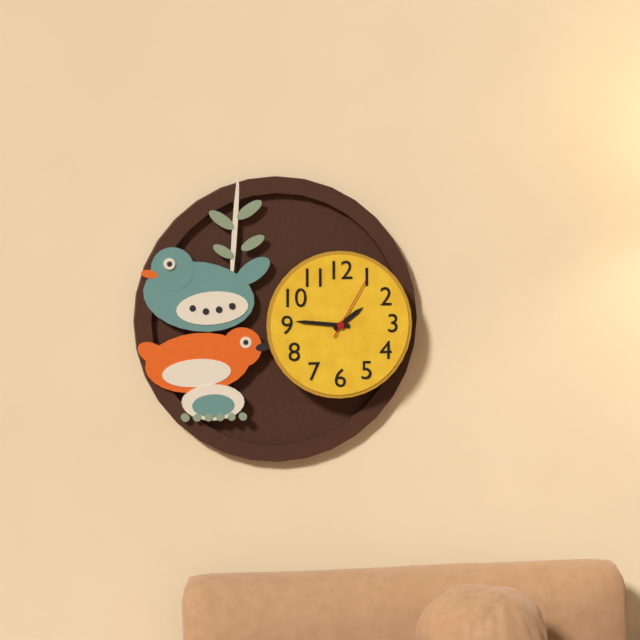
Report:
1h46m05s
